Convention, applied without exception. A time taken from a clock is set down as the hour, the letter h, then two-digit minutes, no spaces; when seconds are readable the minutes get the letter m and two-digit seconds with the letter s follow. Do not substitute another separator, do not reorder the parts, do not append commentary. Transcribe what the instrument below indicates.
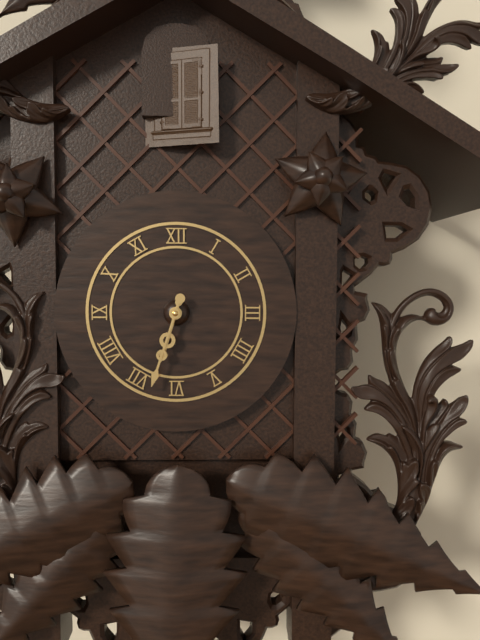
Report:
6h33
